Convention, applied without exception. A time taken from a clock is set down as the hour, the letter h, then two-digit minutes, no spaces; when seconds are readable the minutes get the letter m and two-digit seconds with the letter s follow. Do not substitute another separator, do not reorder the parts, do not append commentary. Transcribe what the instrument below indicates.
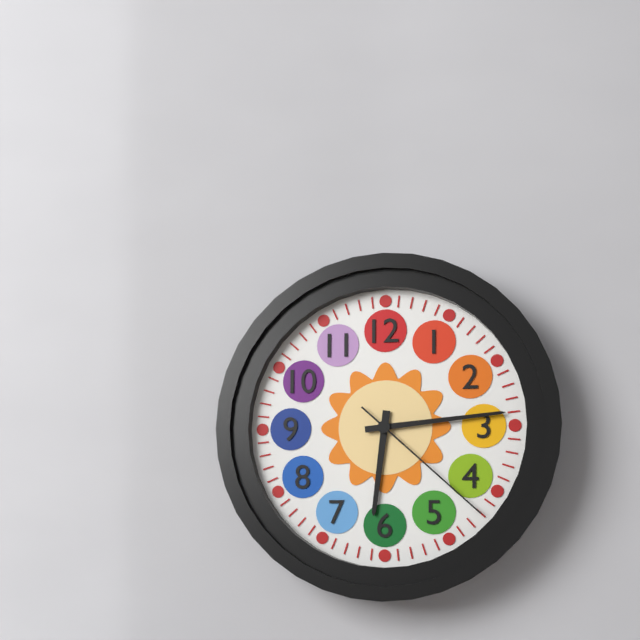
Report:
6h14m22s
